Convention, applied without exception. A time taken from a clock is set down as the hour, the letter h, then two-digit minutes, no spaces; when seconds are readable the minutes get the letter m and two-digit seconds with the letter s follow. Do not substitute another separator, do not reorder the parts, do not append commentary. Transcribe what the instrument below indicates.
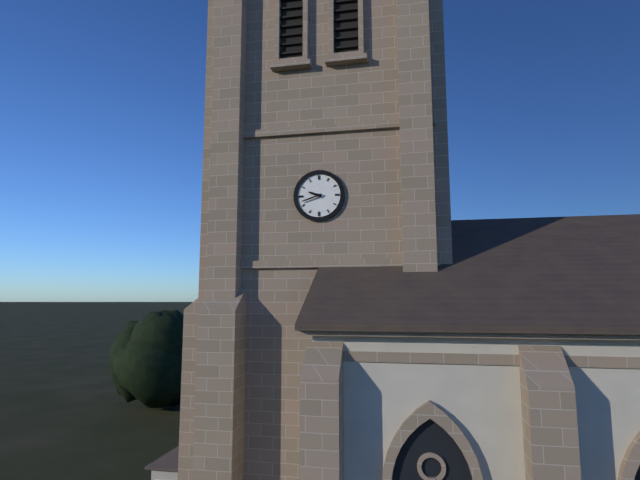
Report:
9h42
